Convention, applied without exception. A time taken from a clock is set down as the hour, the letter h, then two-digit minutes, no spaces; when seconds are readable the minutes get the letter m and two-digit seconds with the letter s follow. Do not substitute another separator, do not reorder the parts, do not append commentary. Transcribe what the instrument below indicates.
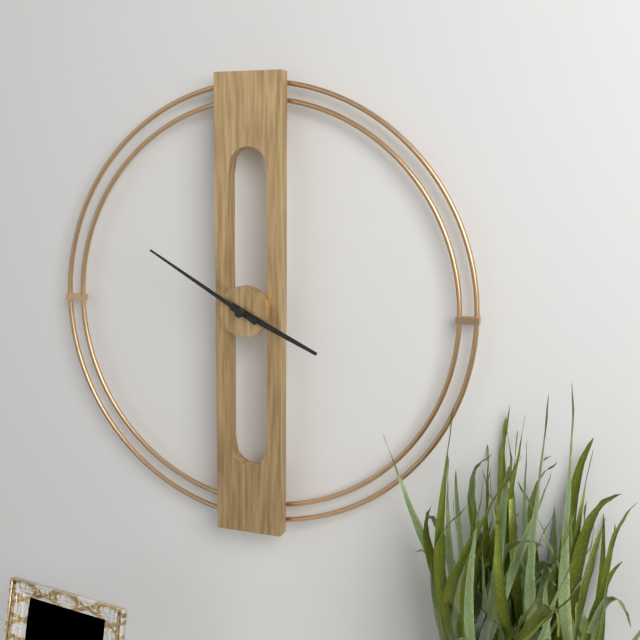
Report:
3h50
